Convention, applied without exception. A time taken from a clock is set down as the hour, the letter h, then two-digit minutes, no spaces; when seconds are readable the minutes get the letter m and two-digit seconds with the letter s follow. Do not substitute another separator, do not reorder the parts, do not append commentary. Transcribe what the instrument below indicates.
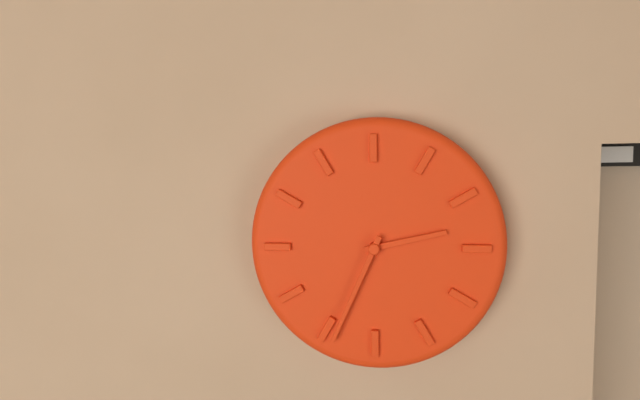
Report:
2h34
